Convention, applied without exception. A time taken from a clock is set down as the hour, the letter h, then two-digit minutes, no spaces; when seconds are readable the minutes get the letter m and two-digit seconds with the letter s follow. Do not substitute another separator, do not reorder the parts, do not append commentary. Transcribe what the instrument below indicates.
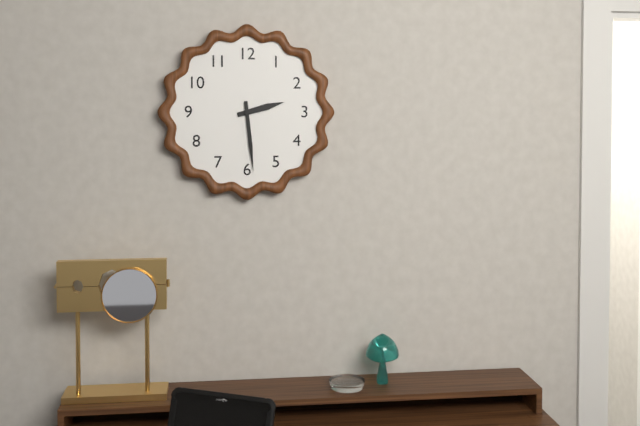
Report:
2h29
